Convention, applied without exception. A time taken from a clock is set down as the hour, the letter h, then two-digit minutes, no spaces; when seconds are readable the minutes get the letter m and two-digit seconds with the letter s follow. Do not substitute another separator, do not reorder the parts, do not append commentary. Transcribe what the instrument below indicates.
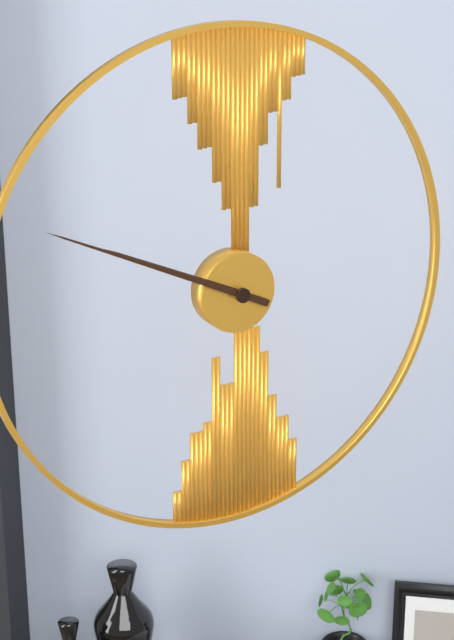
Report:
9h49
